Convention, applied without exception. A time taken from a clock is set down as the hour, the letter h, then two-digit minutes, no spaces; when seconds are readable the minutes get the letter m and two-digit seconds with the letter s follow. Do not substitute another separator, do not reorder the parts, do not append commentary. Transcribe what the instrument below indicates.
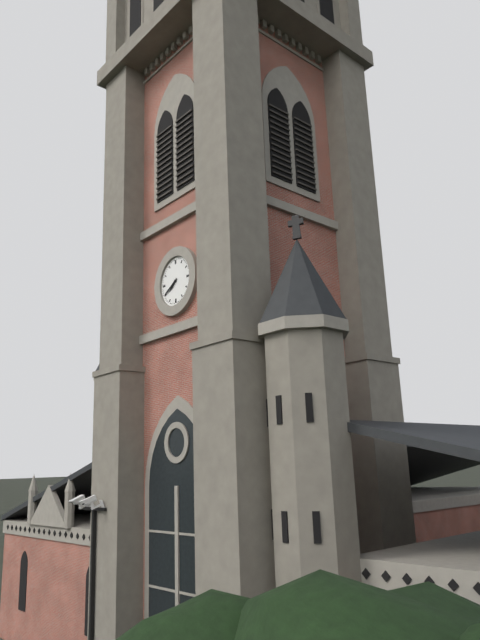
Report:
7h40
